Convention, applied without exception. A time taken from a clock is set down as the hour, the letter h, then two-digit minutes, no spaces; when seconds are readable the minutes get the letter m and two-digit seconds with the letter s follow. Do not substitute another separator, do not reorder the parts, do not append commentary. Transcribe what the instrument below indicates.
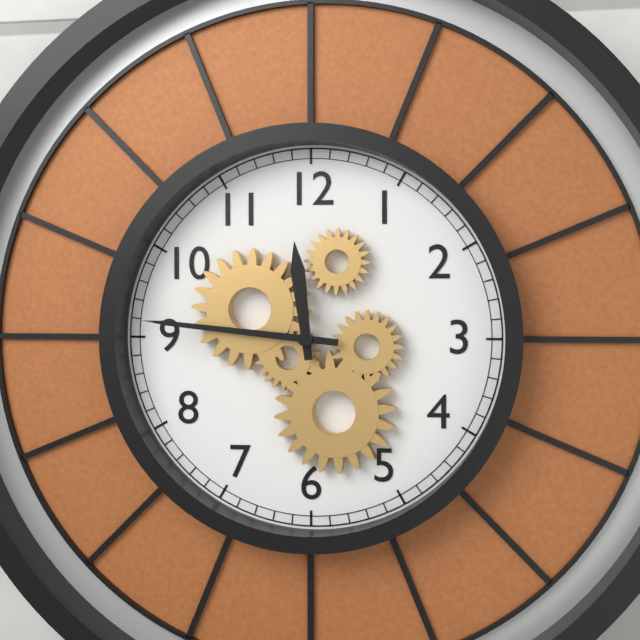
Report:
11h46
